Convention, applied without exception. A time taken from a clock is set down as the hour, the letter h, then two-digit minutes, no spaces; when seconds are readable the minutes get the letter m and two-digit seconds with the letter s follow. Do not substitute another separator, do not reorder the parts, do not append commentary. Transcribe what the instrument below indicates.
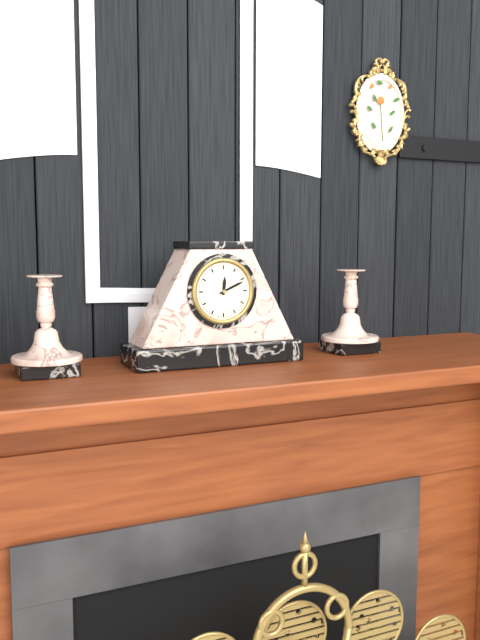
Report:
12h11
